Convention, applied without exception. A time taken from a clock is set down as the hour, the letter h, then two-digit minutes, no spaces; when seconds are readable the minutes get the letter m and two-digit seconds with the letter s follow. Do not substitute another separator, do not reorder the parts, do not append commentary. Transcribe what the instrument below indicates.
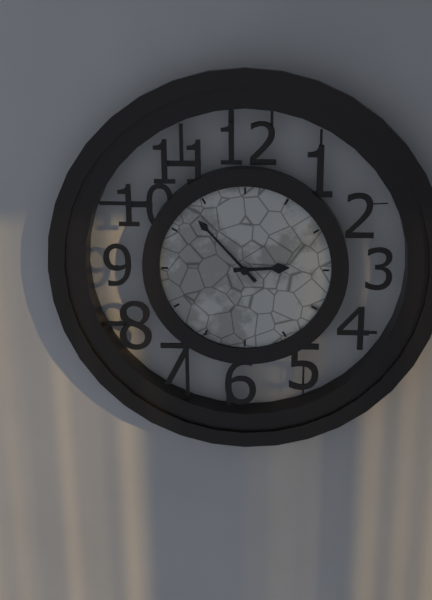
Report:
2h53
